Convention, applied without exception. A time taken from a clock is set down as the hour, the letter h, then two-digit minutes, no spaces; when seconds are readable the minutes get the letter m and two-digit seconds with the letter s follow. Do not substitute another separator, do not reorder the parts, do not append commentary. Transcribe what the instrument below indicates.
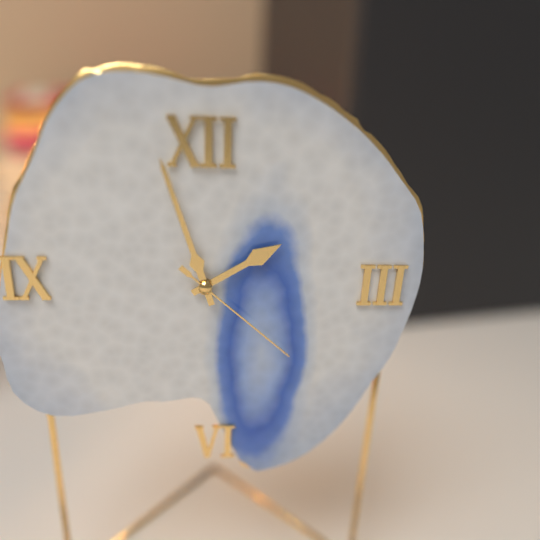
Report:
1h57m22s
